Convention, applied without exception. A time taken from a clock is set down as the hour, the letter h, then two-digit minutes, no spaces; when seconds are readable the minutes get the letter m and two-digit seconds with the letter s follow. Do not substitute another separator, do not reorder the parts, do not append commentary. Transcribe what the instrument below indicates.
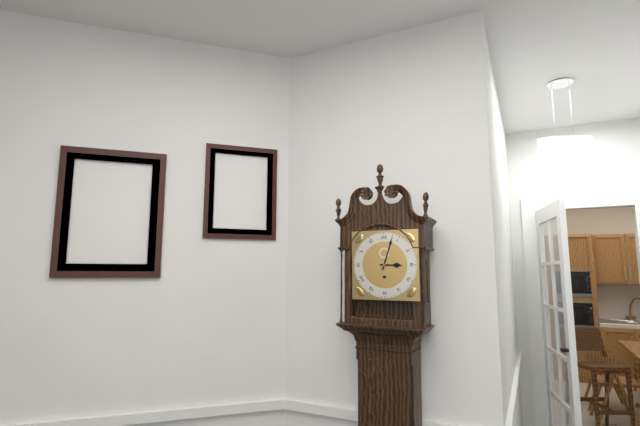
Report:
3h03
